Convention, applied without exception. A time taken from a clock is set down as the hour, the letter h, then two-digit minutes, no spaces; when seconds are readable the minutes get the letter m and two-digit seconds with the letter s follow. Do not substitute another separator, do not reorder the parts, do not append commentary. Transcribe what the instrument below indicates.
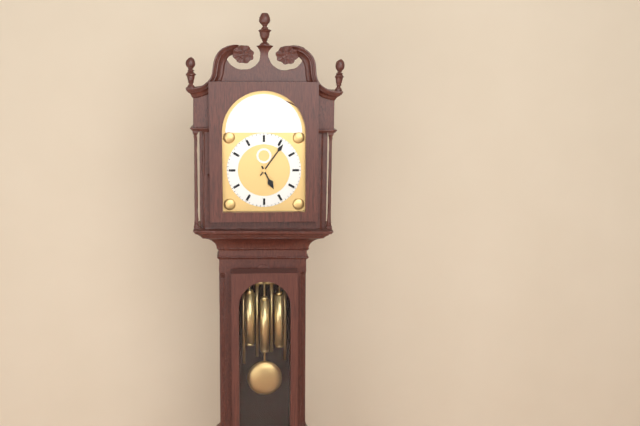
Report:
5h06
